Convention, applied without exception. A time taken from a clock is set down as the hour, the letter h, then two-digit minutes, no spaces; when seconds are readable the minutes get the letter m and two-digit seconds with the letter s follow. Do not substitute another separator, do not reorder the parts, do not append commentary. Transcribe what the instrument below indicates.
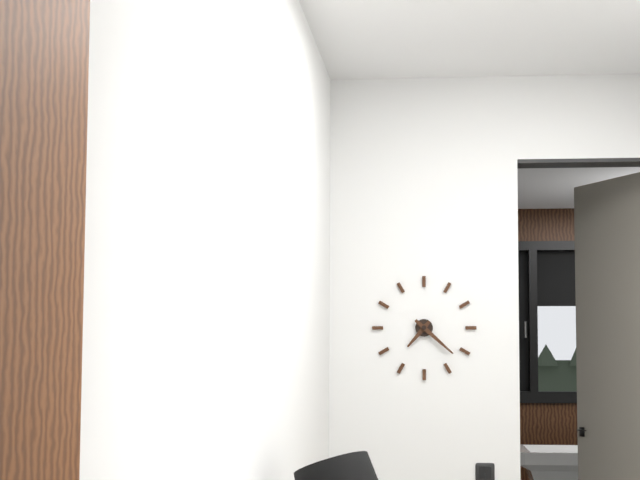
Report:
7h22
